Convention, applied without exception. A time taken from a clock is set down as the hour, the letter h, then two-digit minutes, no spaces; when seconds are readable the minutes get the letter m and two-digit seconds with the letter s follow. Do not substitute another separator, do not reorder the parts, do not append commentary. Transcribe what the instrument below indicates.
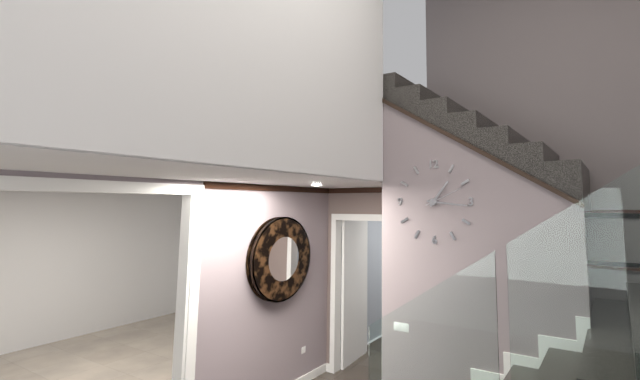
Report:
1h16
